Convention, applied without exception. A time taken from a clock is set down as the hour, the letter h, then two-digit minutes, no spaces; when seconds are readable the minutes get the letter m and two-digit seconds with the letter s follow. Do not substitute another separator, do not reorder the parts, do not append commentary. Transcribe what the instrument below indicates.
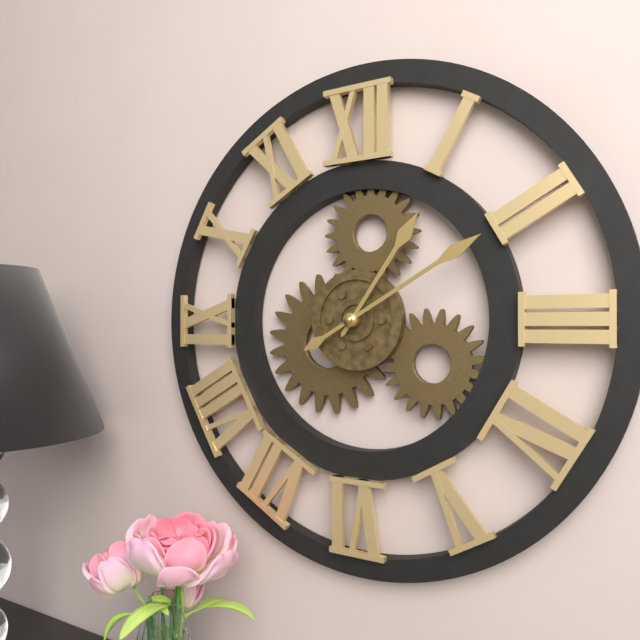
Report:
1h10
